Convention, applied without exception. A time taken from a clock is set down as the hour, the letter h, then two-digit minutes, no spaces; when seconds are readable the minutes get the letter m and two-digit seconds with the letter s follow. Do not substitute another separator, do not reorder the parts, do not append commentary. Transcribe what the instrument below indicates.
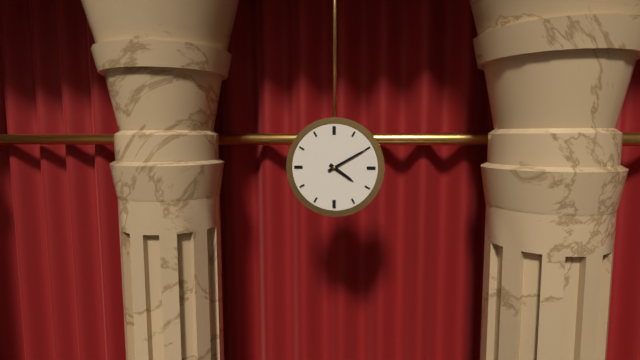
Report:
4h10
